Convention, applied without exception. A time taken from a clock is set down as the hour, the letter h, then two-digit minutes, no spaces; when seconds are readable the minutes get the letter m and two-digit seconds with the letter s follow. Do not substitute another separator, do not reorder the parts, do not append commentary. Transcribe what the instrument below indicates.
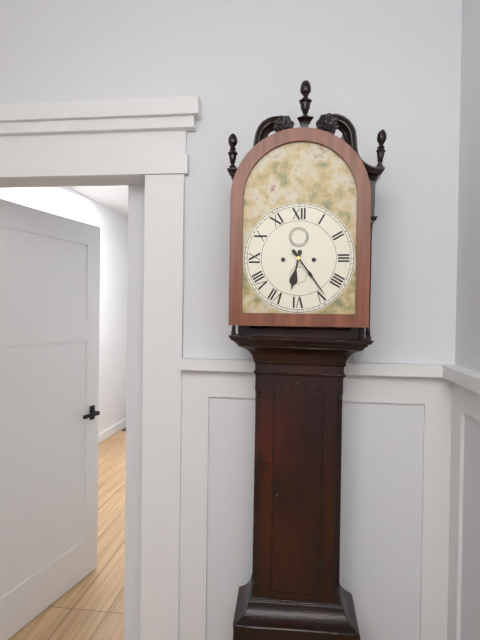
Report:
6h24
